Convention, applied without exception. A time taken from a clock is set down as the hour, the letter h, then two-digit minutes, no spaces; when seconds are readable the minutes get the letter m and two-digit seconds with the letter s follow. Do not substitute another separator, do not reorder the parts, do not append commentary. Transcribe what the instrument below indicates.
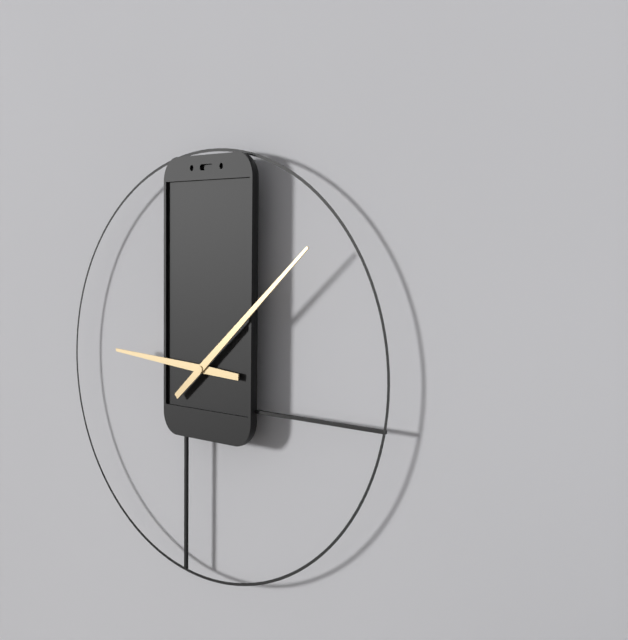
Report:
9h08
